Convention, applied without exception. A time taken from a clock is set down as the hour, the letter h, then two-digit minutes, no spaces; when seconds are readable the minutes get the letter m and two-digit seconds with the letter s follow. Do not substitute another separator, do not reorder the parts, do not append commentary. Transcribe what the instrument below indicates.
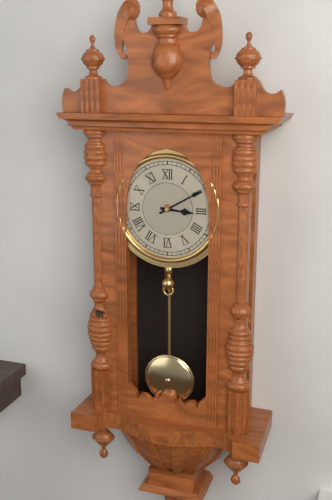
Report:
3h10
